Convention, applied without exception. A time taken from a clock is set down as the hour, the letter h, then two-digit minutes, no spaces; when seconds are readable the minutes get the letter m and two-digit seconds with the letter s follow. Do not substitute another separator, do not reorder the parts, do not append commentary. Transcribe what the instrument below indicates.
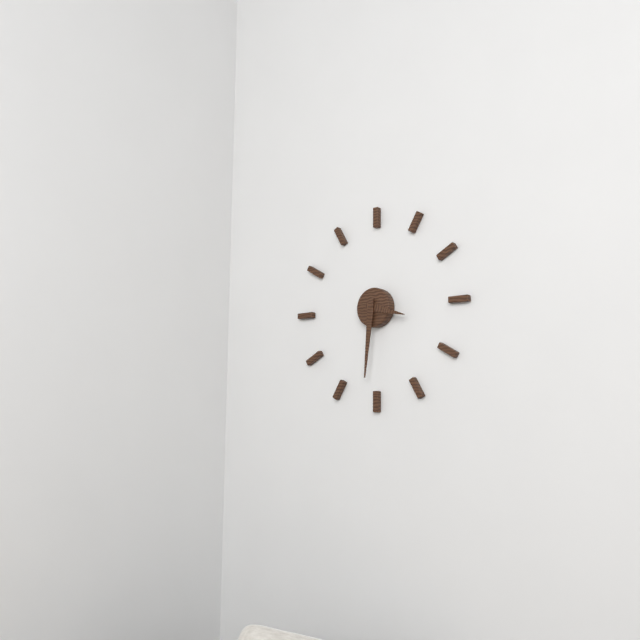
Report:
3h31
